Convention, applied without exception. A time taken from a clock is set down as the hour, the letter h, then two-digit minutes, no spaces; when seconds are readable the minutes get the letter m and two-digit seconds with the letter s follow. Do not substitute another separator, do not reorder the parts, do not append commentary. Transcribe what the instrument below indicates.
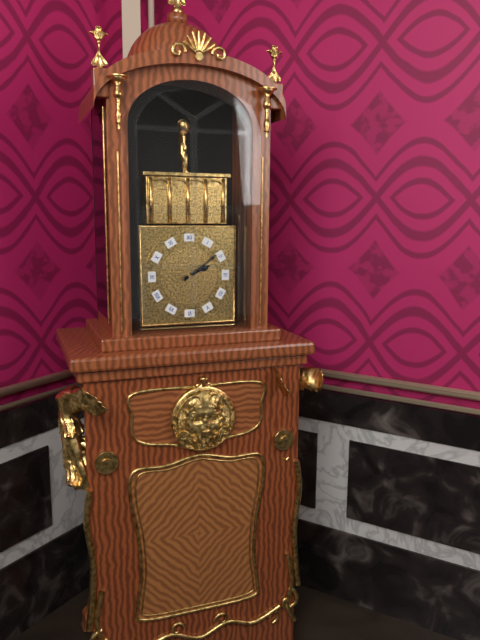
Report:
2h09
